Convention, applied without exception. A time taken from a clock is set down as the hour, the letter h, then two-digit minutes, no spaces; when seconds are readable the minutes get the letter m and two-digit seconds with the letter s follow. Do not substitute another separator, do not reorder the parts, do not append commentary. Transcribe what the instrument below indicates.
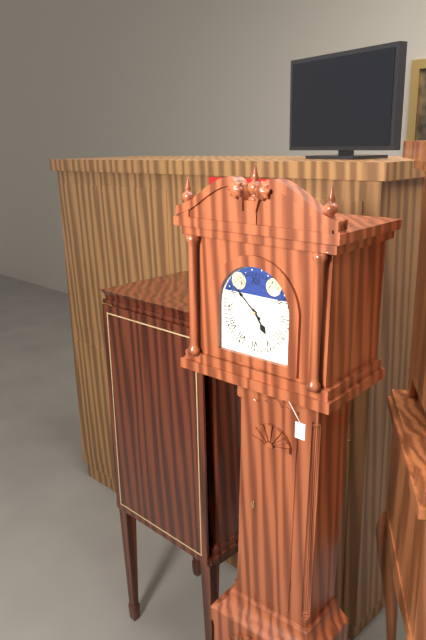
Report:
4h52
